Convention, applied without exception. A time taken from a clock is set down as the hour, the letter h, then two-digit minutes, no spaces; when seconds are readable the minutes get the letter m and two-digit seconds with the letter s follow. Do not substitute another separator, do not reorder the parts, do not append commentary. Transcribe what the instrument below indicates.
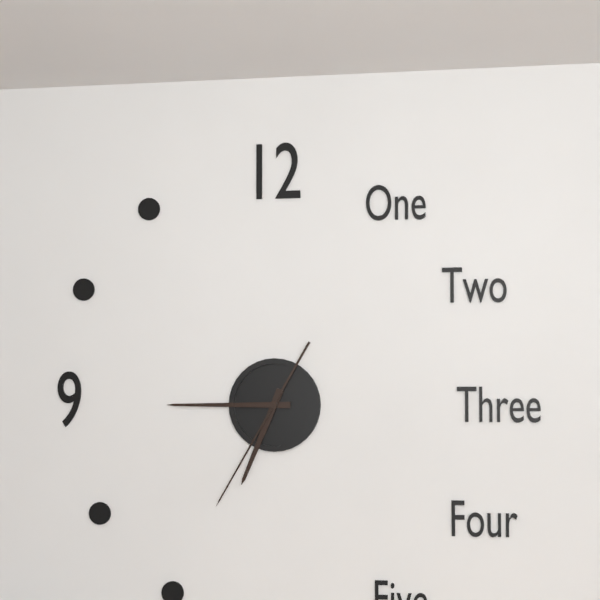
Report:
6h45m35s
